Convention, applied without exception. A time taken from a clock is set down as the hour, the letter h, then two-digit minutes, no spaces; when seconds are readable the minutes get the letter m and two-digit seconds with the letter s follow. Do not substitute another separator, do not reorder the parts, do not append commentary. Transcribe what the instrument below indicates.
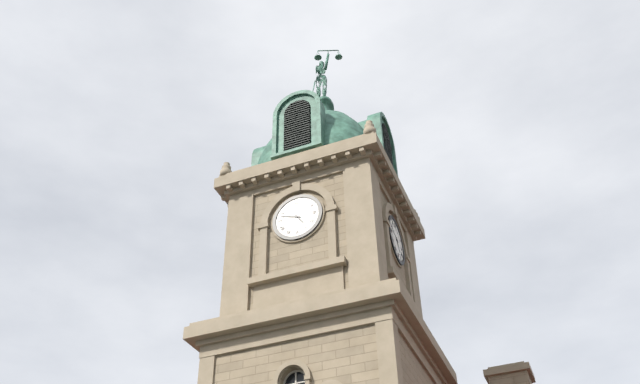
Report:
4h48
